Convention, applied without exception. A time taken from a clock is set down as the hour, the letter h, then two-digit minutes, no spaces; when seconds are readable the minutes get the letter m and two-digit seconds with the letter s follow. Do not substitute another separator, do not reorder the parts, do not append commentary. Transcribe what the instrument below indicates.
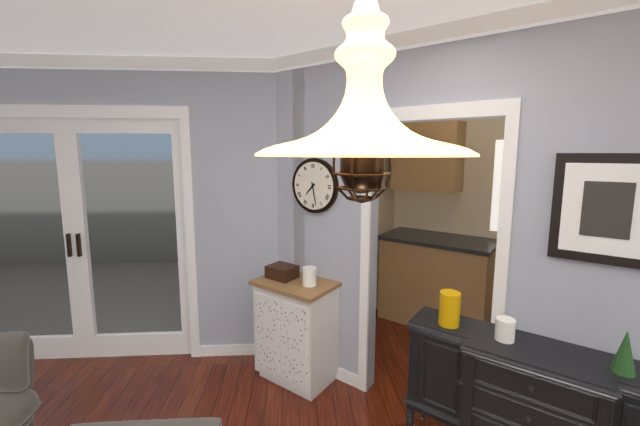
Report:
7h28
